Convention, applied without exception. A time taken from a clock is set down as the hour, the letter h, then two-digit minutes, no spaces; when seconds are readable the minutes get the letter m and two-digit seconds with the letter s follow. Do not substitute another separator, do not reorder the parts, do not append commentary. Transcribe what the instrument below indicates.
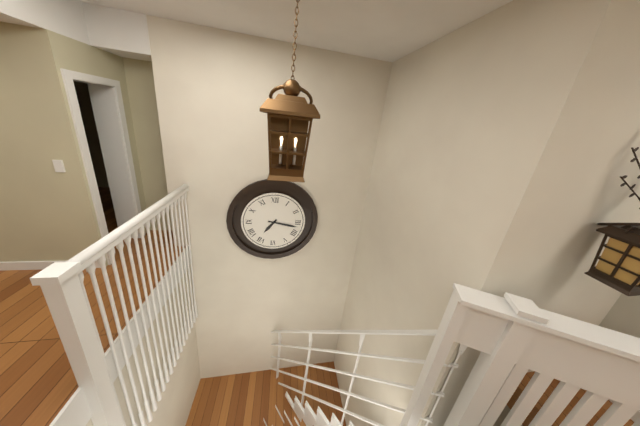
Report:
7h17
